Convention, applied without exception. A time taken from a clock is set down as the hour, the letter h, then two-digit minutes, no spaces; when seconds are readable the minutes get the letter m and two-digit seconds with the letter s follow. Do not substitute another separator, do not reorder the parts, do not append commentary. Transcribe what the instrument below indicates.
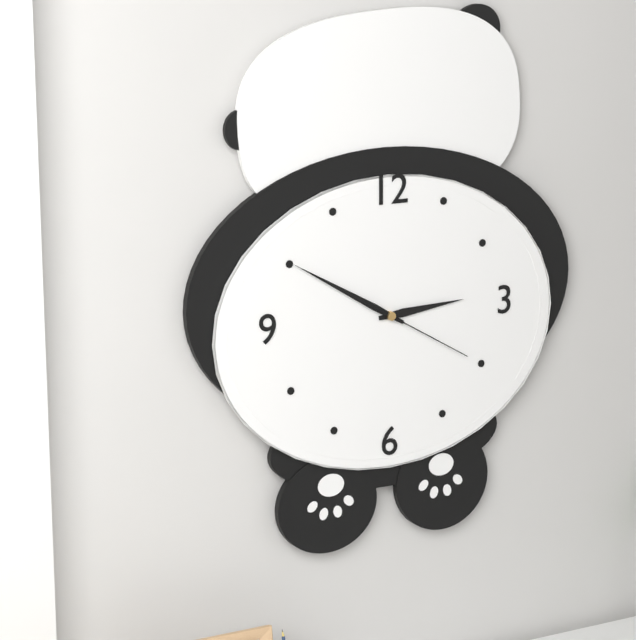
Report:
2h50m20s
